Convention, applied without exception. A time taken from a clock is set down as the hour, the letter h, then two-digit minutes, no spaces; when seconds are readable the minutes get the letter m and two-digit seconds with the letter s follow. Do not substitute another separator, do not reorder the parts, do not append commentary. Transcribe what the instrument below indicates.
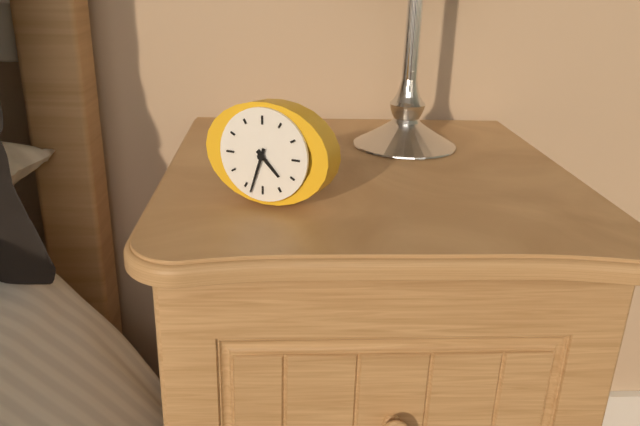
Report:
4h33
